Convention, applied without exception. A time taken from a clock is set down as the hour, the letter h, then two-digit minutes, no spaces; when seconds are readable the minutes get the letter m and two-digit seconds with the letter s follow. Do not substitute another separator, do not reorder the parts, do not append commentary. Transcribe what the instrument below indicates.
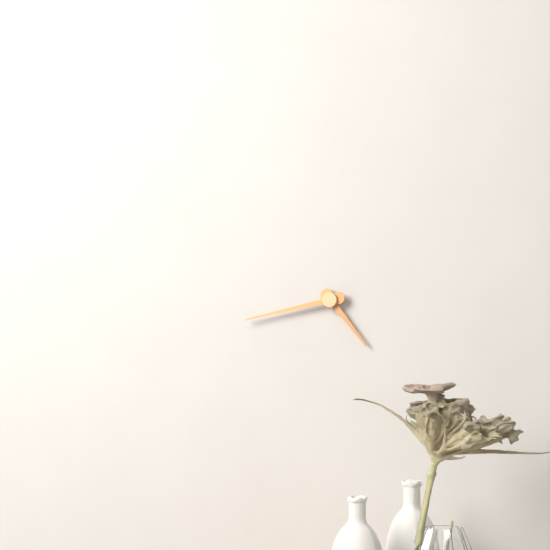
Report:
4h43
